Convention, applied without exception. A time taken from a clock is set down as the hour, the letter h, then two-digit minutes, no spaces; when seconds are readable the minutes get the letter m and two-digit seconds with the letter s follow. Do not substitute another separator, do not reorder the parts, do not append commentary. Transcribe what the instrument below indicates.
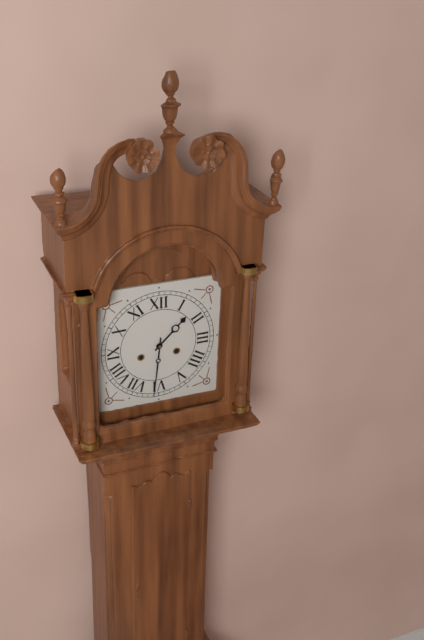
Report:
1h31
